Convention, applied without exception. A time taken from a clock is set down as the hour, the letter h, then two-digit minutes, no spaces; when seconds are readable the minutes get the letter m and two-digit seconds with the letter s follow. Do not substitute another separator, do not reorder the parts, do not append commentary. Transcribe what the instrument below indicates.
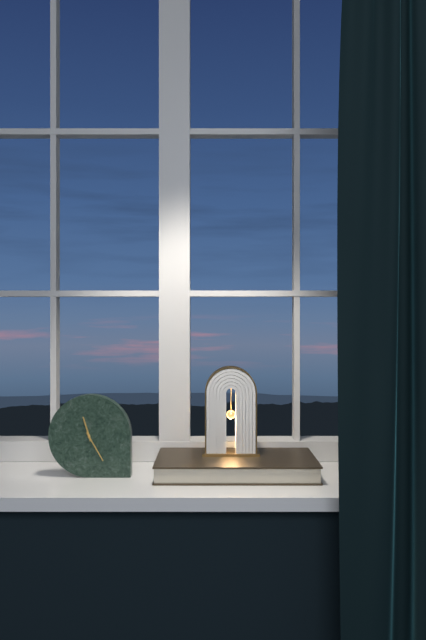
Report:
11h25
